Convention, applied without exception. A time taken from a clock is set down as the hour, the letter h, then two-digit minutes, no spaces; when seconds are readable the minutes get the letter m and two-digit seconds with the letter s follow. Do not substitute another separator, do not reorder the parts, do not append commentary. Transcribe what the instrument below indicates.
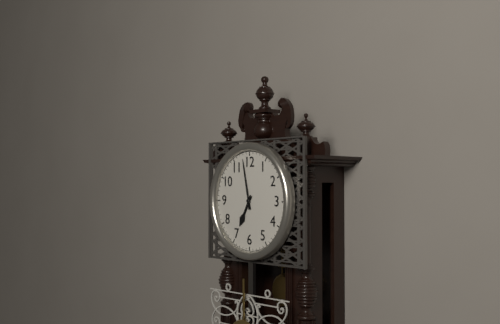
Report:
6h58
